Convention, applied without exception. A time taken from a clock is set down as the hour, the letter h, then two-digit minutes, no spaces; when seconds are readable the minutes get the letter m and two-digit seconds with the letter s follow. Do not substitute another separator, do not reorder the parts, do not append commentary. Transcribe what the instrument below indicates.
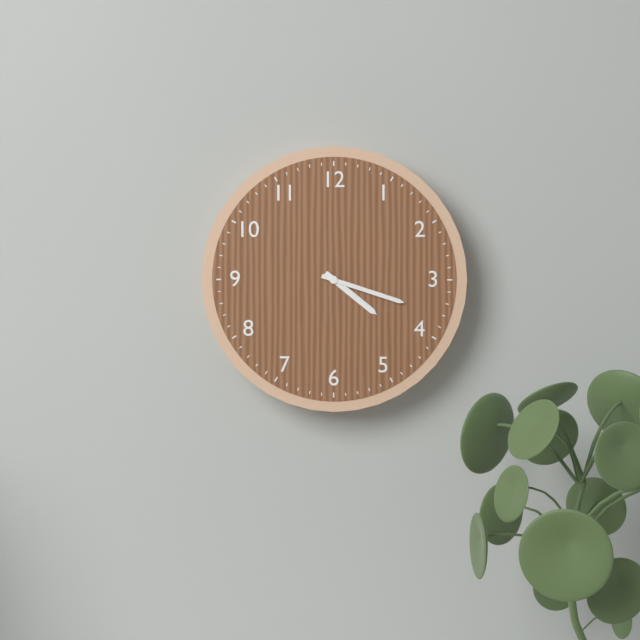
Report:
4h18
